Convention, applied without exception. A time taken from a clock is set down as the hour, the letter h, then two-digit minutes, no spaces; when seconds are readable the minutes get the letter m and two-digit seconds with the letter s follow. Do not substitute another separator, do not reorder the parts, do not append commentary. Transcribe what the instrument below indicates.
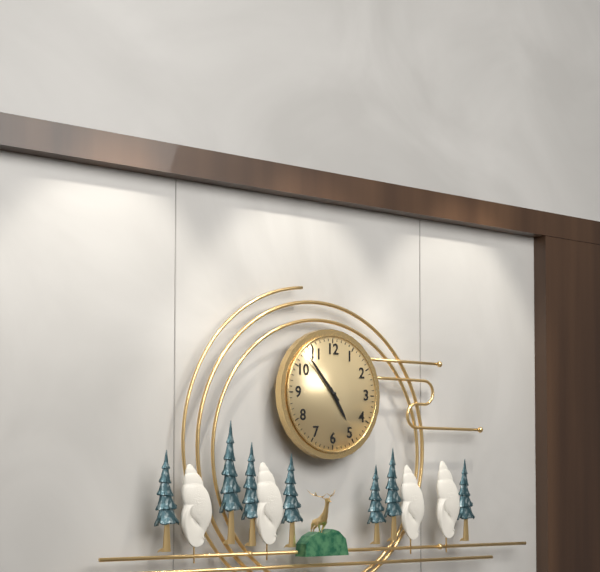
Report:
4h53
